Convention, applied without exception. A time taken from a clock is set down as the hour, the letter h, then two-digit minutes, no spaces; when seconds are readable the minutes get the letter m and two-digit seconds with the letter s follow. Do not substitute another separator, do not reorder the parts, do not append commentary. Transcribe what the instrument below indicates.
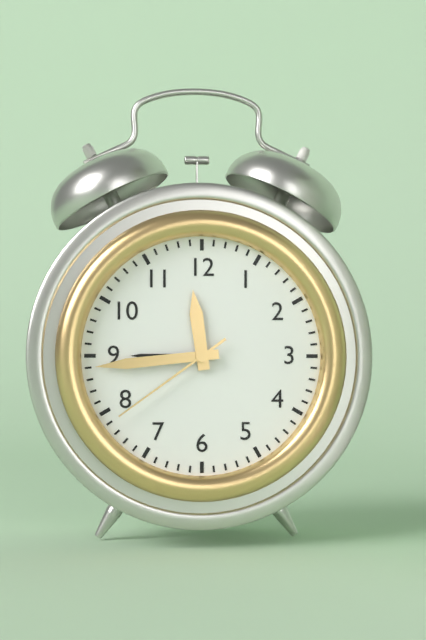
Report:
11h44m39s
